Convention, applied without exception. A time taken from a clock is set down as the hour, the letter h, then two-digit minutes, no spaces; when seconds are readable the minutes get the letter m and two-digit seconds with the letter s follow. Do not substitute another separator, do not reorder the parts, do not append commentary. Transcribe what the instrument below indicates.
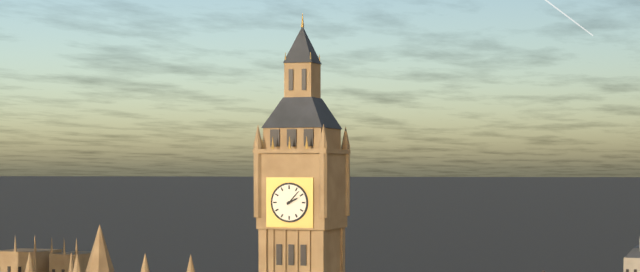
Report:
2h07
